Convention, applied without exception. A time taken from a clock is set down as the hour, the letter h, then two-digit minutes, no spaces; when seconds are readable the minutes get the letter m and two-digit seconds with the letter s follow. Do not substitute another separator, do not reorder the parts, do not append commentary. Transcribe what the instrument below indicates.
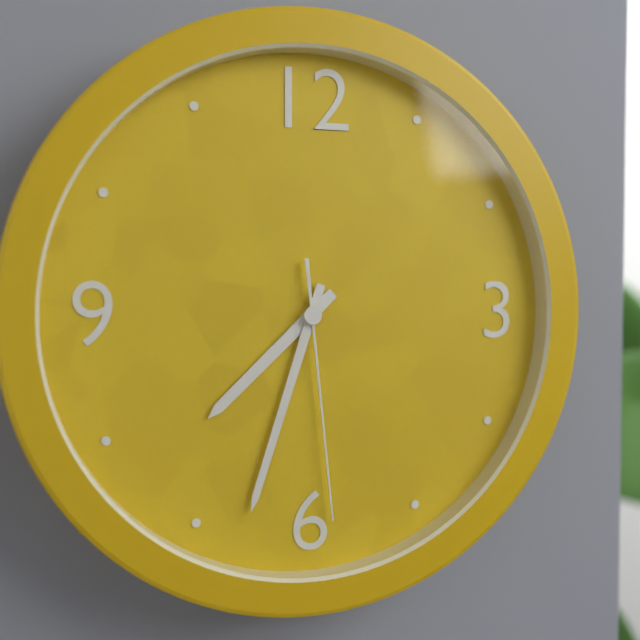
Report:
7h33m29s
